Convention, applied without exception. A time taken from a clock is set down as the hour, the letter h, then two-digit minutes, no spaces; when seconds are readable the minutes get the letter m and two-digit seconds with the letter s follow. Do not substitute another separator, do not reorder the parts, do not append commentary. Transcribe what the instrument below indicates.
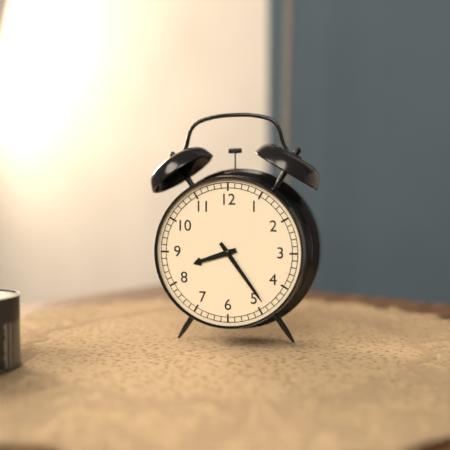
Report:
8h24
